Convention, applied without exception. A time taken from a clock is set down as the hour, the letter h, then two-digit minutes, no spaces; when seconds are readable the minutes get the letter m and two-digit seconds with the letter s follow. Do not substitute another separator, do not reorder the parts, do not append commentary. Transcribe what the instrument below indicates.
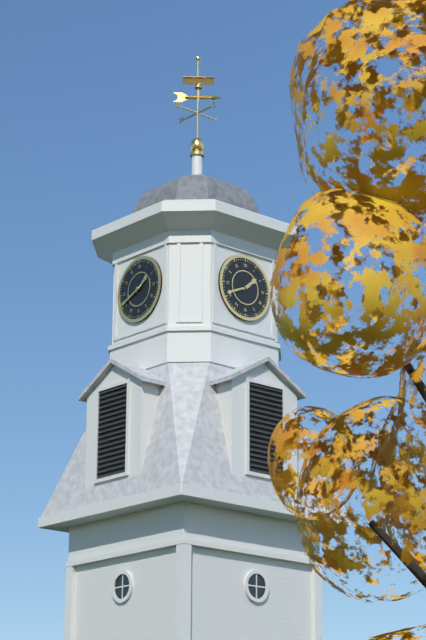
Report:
1h41
